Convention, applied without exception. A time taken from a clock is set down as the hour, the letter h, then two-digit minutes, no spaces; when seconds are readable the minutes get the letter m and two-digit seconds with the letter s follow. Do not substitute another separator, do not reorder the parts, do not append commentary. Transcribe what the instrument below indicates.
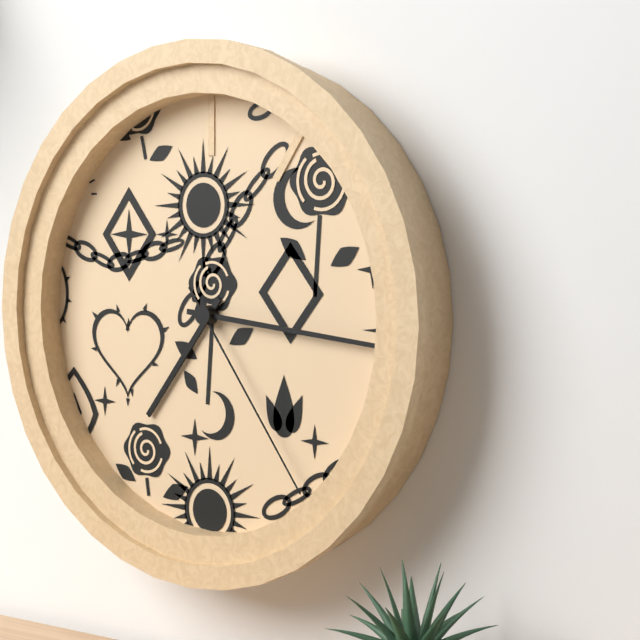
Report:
7h16m24s
